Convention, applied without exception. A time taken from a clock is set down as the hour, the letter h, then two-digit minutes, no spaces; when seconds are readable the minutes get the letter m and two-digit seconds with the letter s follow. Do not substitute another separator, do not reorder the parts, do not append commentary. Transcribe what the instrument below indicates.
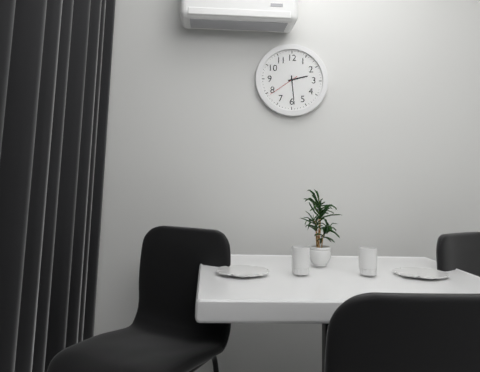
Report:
2h29
